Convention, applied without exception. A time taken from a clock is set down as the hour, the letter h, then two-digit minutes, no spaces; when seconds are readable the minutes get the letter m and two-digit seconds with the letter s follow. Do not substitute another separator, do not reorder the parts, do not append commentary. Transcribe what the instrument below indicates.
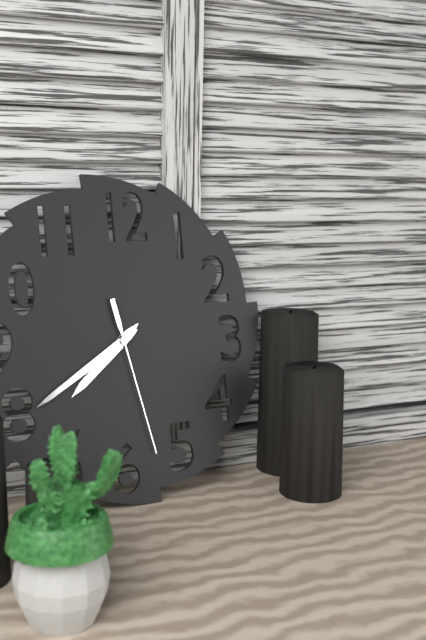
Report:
7h40m28s
